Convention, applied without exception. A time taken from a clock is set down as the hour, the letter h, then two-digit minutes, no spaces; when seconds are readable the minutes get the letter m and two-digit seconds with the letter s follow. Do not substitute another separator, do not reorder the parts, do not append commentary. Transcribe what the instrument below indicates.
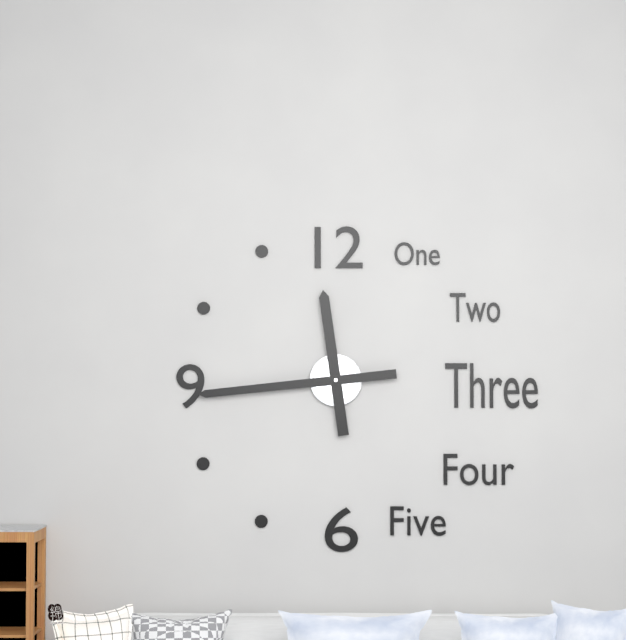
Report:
11h44
